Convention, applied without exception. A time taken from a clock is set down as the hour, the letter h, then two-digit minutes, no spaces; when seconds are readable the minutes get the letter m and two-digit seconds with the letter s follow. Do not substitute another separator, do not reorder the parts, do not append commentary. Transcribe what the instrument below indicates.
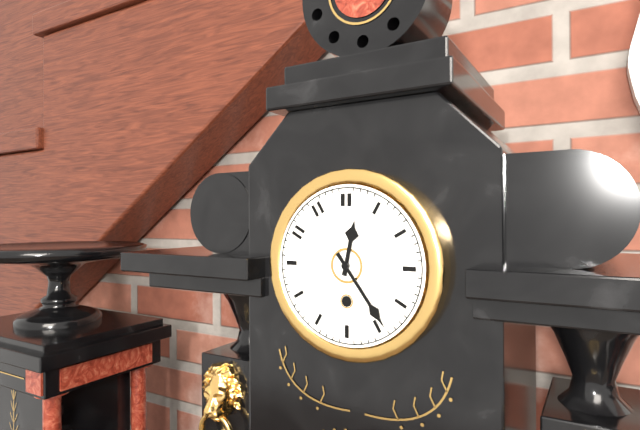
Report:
12h24
